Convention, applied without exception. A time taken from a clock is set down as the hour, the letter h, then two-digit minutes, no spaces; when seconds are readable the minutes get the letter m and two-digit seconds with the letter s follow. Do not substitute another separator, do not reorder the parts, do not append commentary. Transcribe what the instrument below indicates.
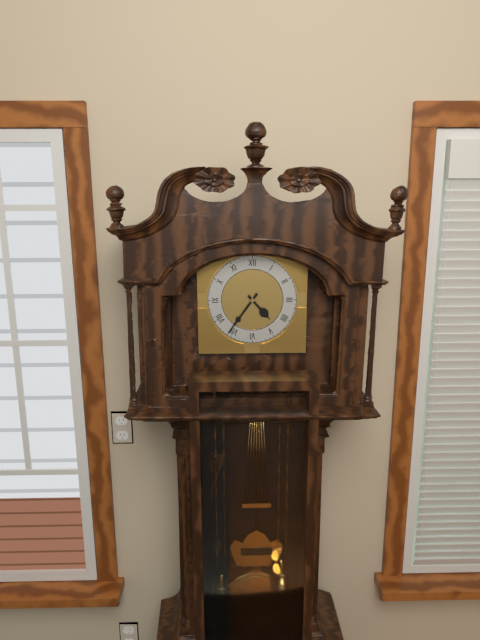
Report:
4h36
